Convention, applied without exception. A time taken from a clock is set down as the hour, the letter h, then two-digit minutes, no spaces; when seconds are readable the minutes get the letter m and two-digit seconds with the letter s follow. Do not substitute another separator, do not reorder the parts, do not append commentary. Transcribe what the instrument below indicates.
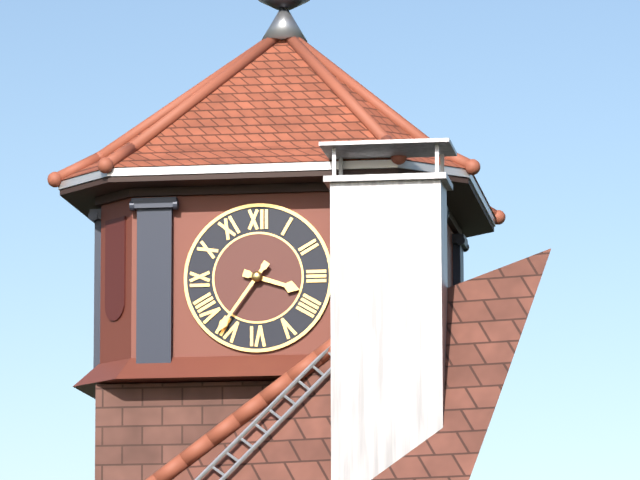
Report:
3h36
